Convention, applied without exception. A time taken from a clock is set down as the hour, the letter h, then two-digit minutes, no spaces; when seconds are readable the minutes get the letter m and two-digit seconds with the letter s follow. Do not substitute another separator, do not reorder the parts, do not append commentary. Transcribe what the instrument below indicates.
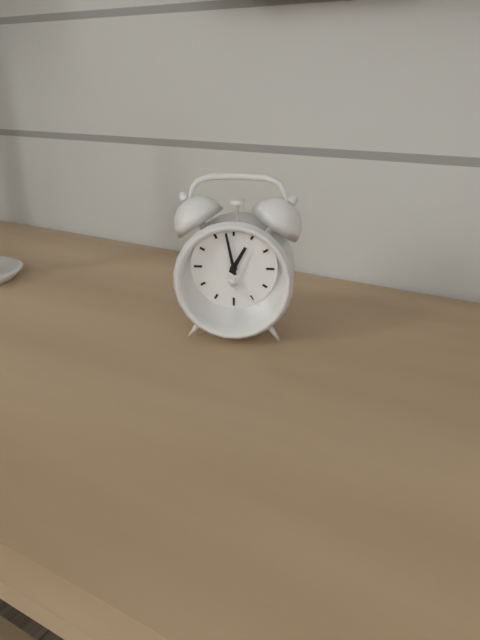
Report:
12h58
